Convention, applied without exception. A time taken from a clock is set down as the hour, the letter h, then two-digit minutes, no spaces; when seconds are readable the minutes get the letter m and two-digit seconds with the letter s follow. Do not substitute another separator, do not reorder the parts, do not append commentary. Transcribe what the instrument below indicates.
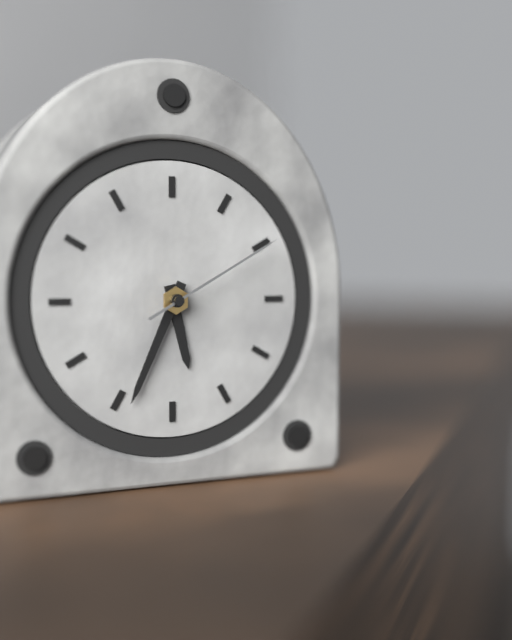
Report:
5h34m10s
